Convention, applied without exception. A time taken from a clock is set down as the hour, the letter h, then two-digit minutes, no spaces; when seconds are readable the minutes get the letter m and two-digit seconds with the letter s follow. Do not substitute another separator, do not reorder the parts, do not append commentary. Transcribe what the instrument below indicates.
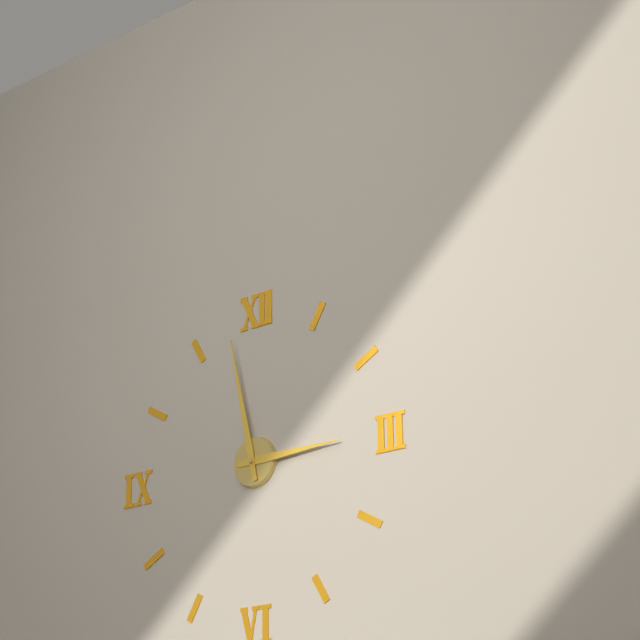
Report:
2h58
